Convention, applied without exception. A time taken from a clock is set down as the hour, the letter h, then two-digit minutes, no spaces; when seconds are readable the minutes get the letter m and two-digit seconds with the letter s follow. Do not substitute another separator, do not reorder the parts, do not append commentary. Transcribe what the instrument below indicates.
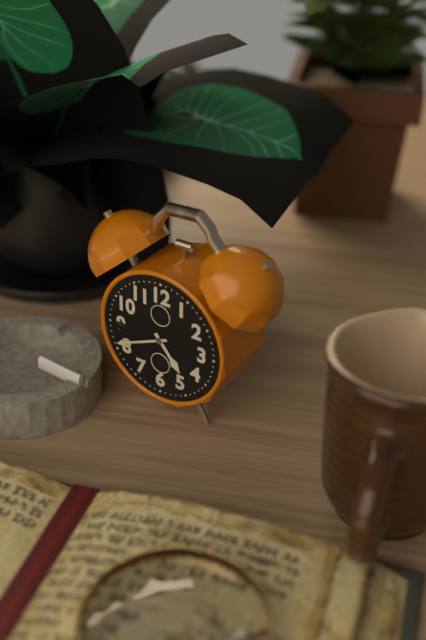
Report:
4h41
